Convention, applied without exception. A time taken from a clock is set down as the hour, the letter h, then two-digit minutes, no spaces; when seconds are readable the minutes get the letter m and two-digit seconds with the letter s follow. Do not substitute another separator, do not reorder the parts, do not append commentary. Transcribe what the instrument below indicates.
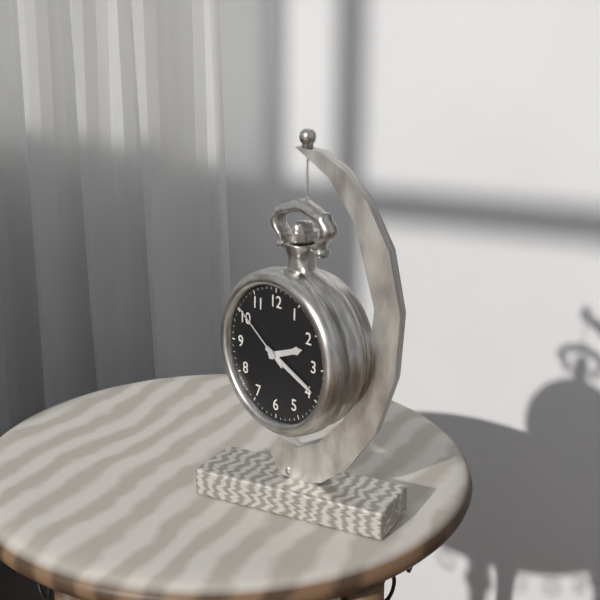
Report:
2h19m51s
